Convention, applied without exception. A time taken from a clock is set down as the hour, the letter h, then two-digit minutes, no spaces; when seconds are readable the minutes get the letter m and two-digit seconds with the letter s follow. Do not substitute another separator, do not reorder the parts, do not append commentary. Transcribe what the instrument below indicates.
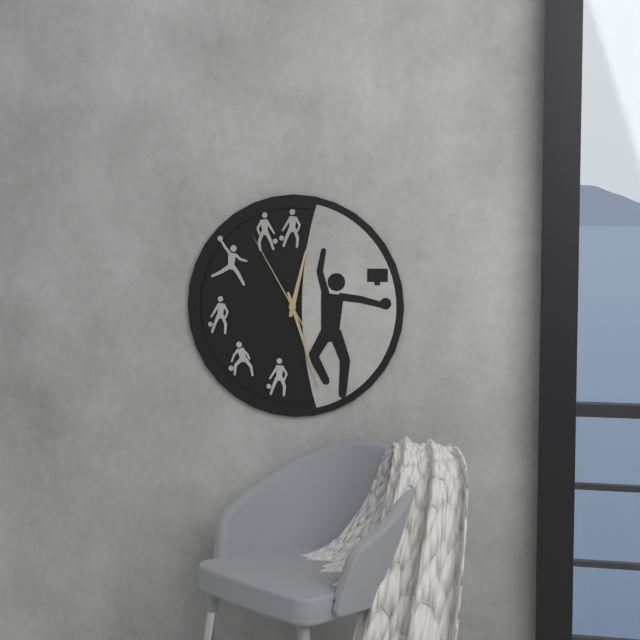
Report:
12h27m55s
